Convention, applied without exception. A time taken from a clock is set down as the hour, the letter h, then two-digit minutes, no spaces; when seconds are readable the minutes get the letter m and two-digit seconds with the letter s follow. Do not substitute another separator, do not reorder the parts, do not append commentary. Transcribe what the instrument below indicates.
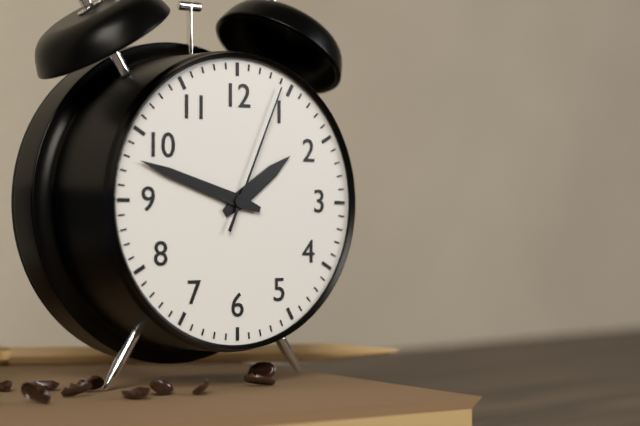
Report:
1h48m04s
